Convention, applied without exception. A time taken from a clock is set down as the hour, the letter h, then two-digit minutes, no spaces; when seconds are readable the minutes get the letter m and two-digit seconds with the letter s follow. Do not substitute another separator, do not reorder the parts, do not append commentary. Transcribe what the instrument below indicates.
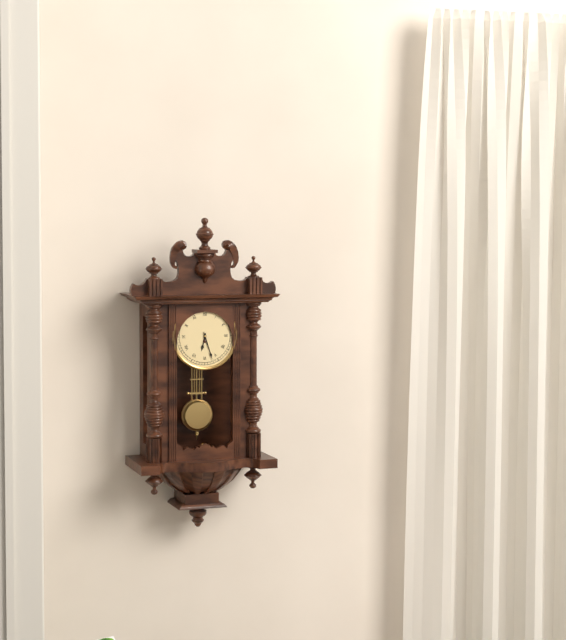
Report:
6h27
